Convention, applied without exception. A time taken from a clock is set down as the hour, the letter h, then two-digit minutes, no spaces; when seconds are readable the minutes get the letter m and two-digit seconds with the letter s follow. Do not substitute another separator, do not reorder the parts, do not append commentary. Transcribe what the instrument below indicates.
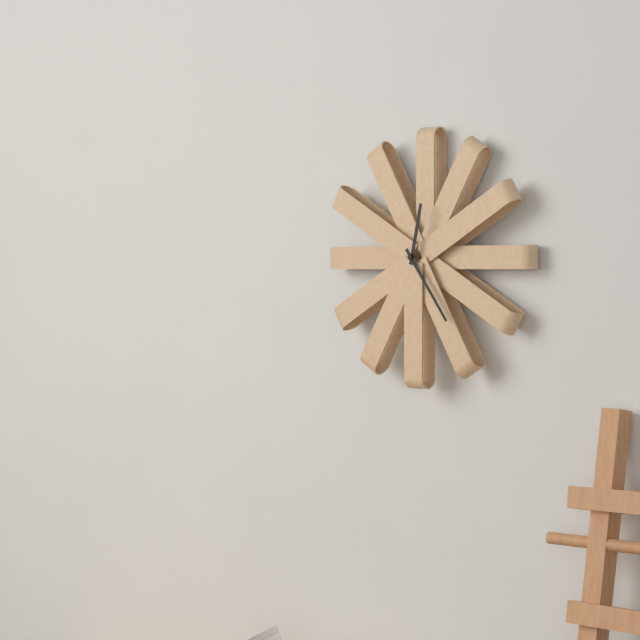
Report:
12h24
